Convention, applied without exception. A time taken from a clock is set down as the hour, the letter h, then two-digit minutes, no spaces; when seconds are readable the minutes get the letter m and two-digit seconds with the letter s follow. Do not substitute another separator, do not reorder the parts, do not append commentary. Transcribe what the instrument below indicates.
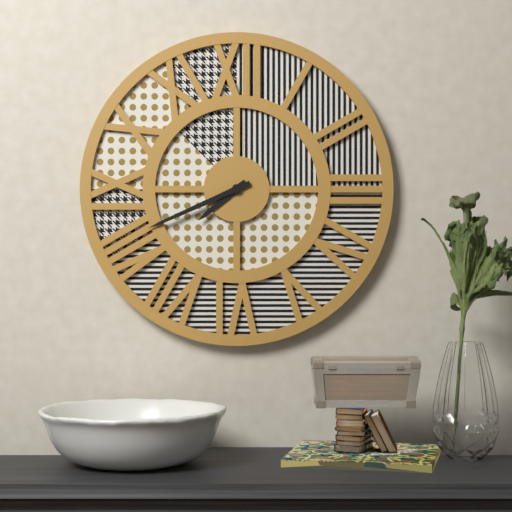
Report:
7h41
